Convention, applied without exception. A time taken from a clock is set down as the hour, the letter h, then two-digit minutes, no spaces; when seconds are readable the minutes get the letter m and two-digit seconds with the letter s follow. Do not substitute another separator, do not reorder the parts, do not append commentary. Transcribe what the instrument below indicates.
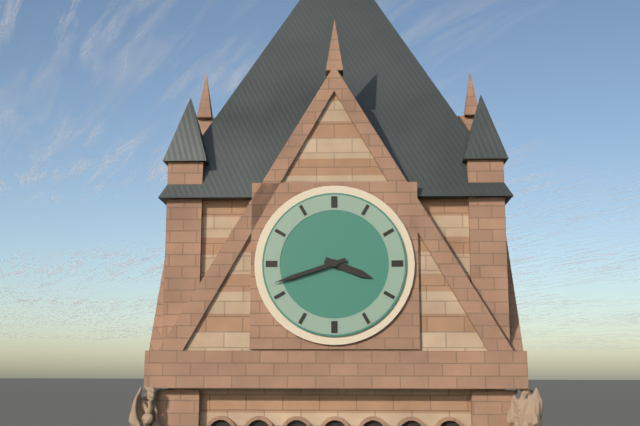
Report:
3h42
